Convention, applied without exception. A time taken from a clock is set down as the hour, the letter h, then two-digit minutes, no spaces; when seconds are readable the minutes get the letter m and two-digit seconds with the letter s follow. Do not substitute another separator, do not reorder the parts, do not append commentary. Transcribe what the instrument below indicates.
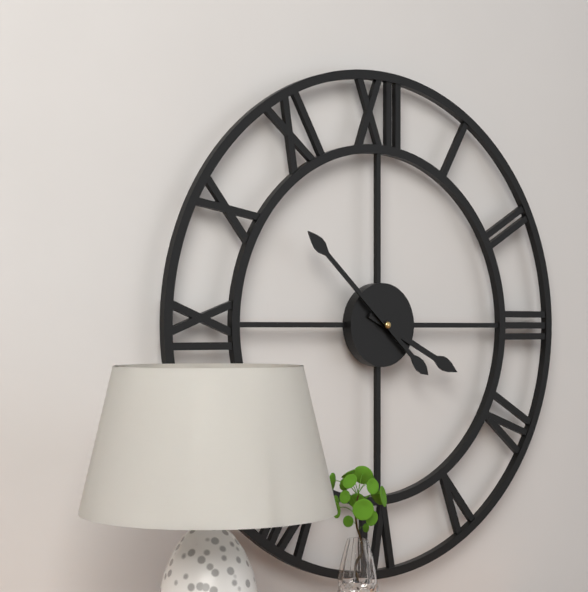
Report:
3h52
